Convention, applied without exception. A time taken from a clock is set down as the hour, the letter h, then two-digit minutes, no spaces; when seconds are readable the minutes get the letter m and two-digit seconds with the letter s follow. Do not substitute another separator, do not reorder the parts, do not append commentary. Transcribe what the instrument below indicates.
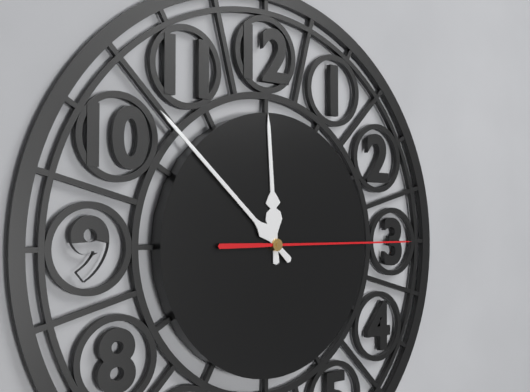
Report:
11h52m15s
